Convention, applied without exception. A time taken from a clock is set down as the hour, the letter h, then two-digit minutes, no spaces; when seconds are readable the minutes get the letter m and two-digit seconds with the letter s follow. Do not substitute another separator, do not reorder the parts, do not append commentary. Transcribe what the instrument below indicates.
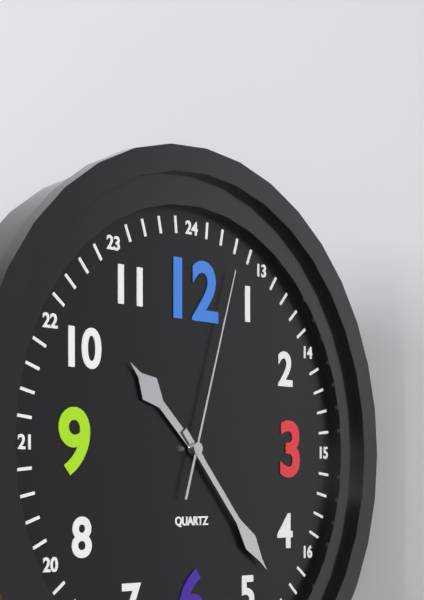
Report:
10h23m03s
